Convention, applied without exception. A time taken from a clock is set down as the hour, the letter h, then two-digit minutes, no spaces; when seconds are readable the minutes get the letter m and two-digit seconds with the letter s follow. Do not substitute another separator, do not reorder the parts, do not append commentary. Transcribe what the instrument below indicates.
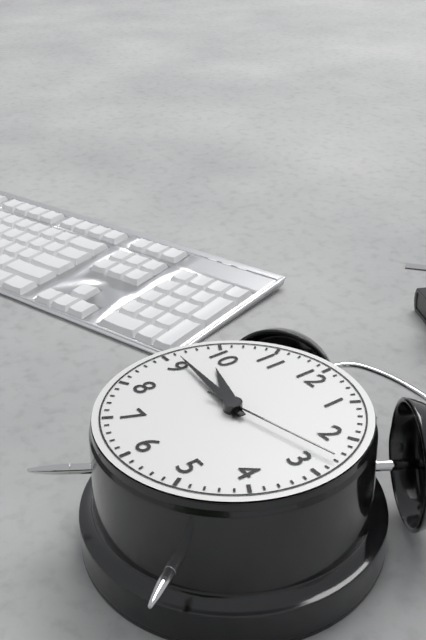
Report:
9h46m13s
